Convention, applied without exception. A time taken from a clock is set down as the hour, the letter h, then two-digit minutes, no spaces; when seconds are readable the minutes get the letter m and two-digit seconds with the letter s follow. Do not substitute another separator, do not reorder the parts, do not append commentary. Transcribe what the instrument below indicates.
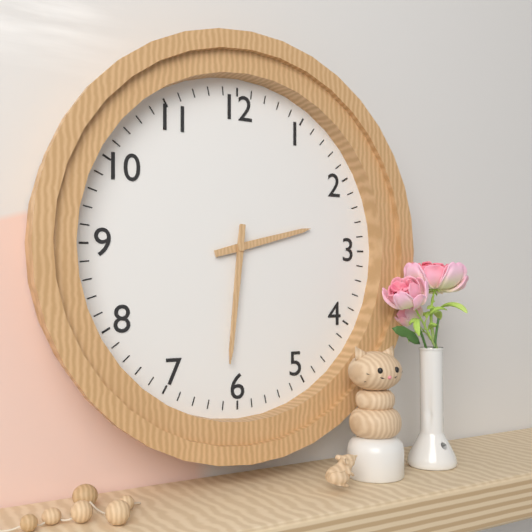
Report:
2h31
